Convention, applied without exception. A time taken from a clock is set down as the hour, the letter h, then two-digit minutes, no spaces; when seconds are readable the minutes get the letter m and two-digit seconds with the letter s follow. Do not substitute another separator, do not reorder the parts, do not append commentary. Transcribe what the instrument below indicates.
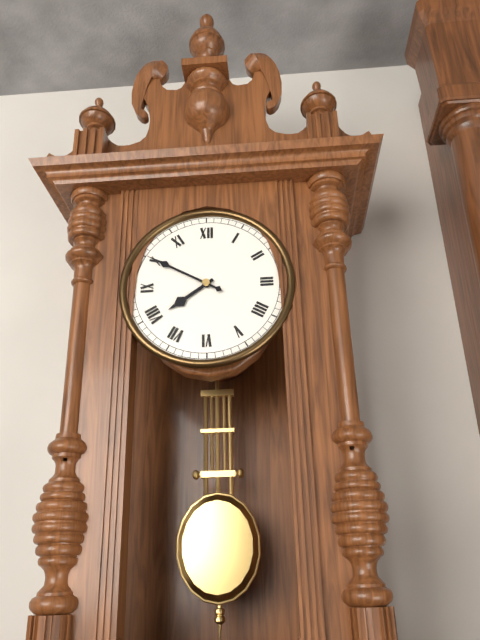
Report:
7h50
